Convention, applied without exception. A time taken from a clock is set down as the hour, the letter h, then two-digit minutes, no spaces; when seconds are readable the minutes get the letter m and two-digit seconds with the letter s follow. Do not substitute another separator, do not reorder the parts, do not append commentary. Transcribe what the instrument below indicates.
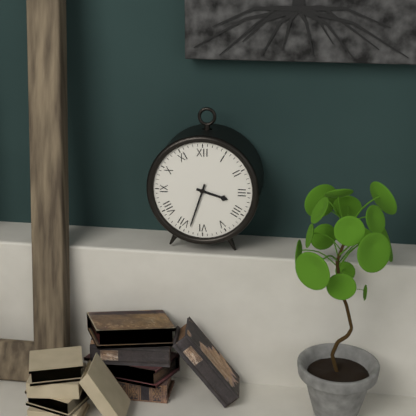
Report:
3h33
